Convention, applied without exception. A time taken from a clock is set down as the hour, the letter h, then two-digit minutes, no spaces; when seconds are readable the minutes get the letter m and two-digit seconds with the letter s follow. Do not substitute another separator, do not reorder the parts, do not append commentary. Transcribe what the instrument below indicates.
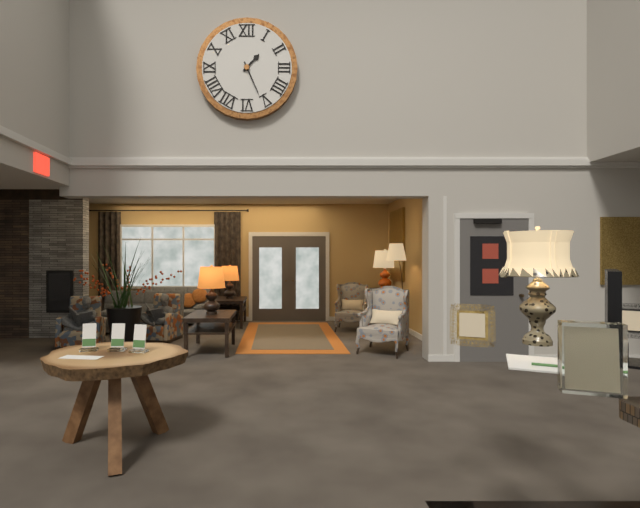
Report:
1h26
